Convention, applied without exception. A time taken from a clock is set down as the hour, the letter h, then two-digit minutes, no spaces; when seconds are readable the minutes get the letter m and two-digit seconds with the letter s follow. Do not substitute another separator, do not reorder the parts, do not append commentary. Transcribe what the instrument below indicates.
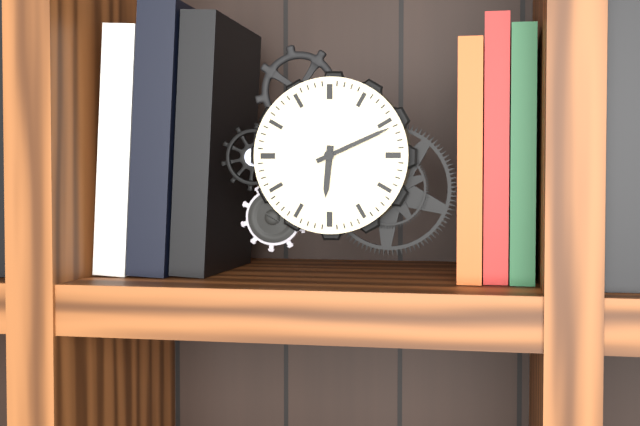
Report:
6h11
